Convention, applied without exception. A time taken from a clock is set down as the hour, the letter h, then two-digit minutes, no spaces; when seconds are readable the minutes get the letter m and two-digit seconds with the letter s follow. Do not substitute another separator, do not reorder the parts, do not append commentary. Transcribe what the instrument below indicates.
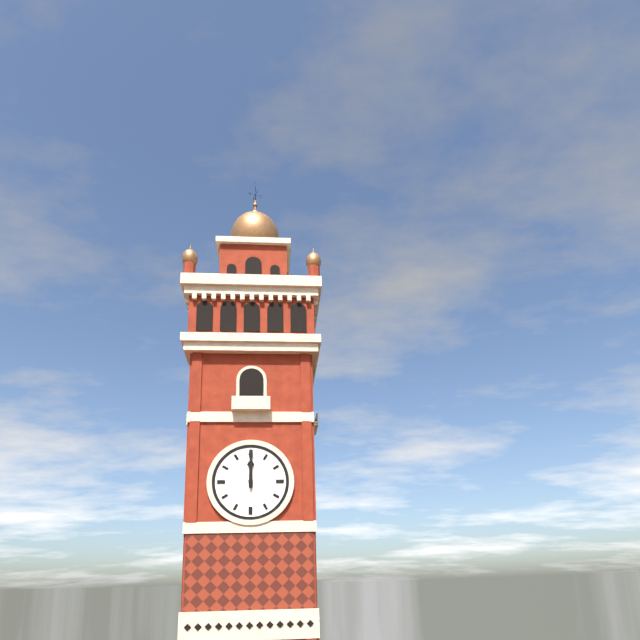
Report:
12h00
